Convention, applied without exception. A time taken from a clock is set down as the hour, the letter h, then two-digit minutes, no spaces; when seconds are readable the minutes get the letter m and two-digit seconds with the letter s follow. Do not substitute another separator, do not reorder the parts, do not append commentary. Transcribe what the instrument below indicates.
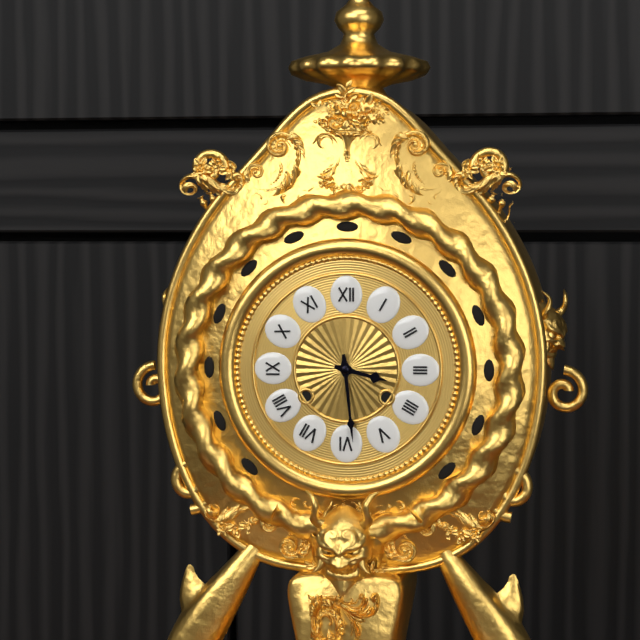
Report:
3h29
